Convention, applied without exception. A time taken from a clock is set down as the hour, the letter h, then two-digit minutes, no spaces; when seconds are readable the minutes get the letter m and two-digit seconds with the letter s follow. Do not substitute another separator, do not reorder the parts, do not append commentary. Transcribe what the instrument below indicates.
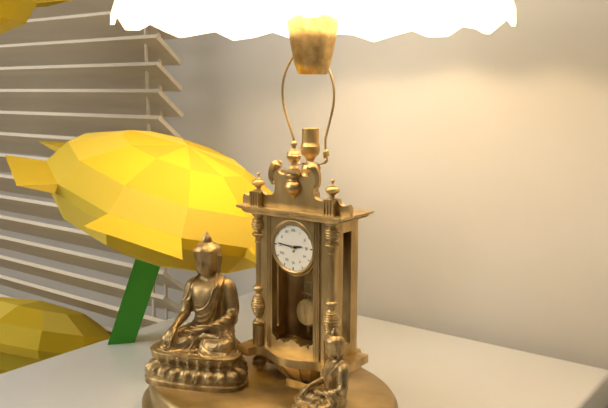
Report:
2h46
